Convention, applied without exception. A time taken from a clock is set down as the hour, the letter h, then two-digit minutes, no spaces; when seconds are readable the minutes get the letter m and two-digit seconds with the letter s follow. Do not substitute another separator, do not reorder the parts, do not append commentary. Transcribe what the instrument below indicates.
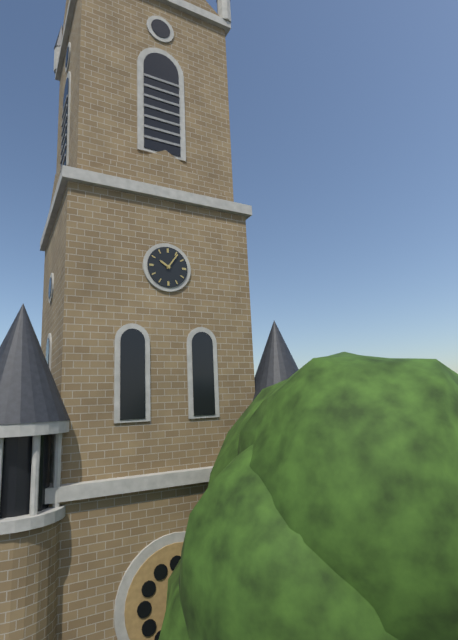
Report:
10h06
